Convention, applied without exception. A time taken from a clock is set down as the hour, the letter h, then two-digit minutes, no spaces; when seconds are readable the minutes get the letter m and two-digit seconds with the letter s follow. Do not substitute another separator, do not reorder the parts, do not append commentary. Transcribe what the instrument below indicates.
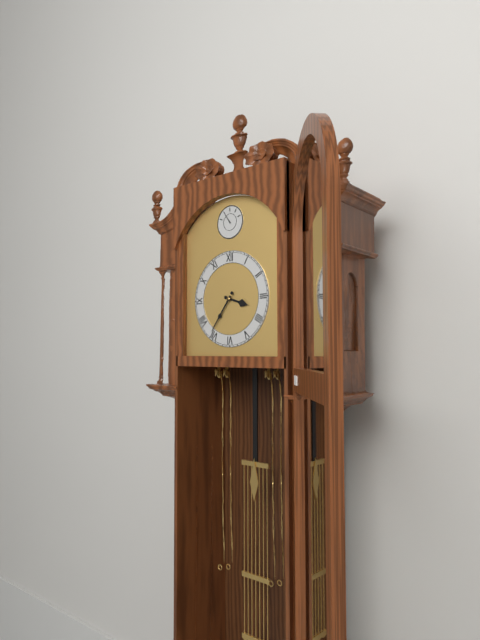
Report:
3h36
